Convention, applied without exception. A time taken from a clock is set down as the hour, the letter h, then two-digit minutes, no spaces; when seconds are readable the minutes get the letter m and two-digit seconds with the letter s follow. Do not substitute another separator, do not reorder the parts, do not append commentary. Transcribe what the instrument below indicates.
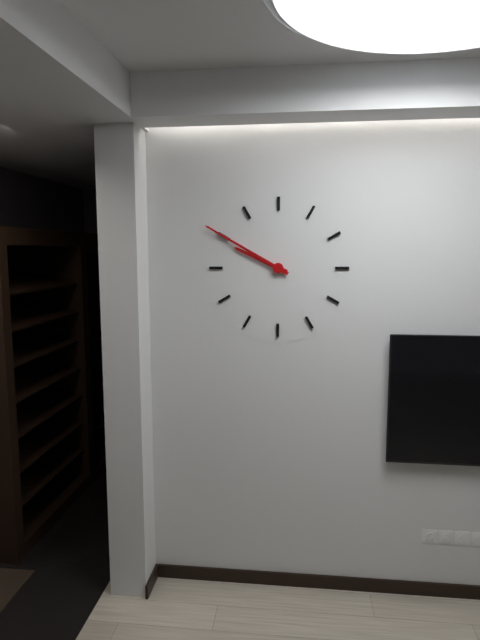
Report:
9h50
